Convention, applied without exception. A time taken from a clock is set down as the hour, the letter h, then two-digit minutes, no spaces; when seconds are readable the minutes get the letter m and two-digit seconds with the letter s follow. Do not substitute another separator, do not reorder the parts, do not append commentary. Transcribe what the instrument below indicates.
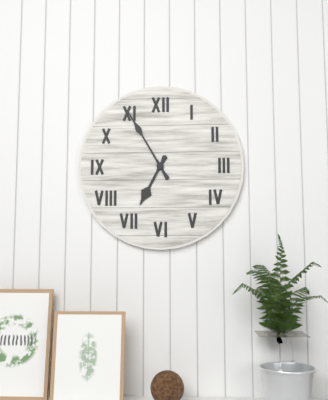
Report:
6h55
